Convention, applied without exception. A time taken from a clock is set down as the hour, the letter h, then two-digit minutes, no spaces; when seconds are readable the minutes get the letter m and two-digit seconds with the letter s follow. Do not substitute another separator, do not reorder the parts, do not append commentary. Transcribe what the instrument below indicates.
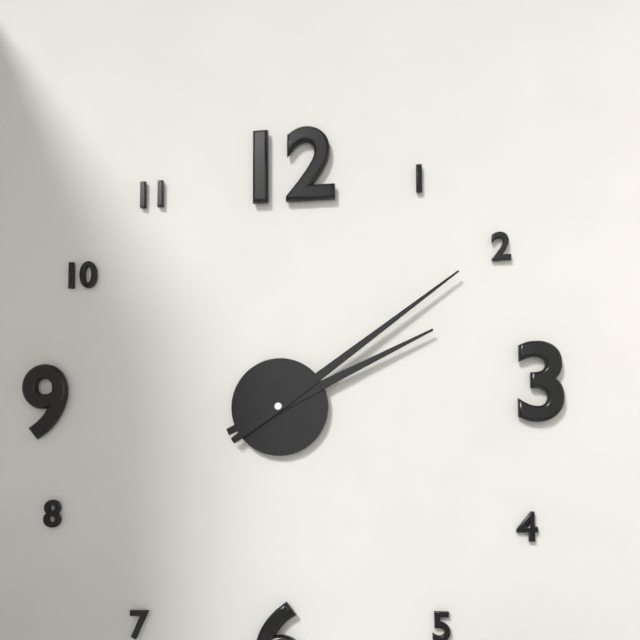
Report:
2h09
